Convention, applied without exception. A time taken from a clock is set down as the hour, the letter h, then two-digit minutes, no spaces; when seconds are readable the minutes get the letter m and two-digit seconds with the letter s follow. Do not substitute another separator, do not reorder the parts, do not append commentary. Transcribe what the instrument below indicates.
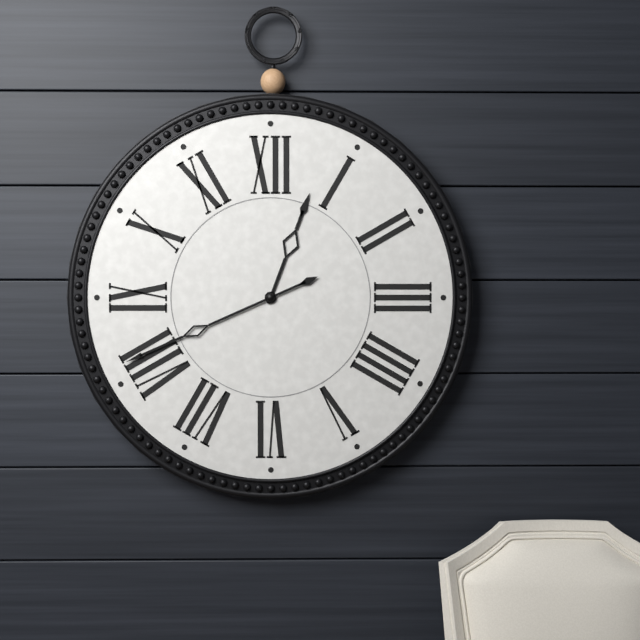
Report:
12h41
